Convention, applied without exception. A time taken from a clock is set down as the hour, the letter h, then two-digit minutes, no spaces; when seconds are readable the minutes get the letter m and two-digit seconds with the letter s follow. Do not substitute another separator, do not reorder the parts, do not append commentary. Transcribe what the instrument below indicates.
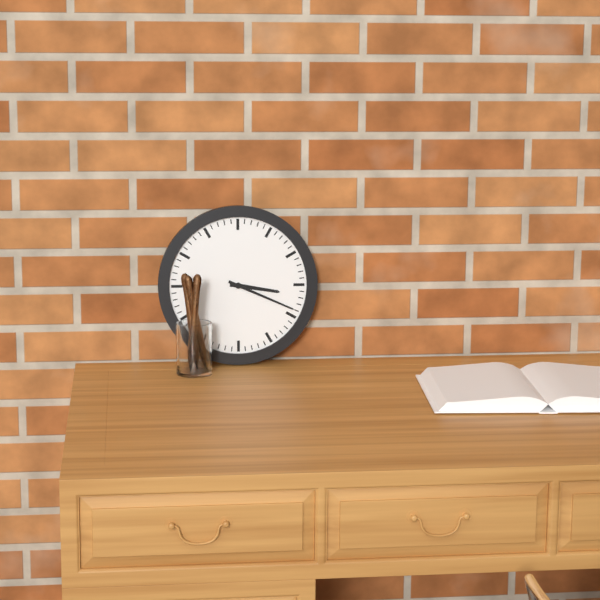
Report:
3h19
